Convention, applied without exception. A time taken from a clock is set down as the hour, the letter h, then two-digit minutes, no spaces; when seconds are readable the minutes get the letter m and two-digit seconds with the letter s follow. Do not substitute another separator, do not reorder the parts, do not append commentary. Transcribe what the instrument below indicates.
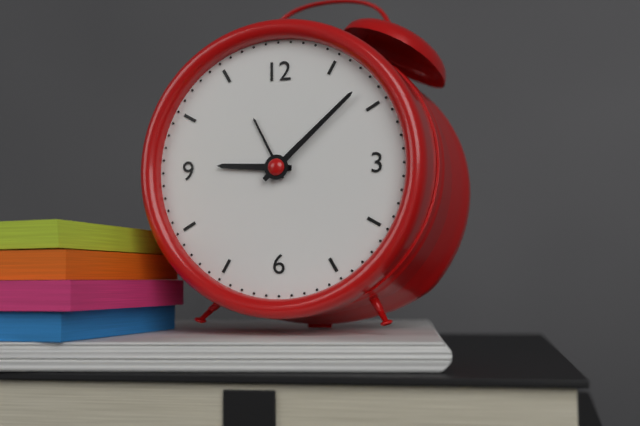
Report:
9h08
